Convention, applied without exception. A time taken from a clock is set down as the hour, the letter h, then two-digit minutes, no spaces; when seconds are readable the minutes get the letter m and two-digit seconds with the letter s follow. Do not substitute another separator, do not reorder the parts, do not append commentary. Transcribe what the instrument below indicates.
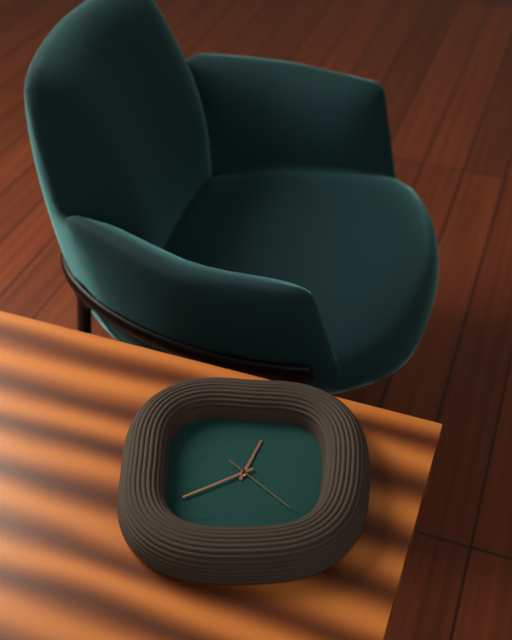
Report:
12h40m22s
